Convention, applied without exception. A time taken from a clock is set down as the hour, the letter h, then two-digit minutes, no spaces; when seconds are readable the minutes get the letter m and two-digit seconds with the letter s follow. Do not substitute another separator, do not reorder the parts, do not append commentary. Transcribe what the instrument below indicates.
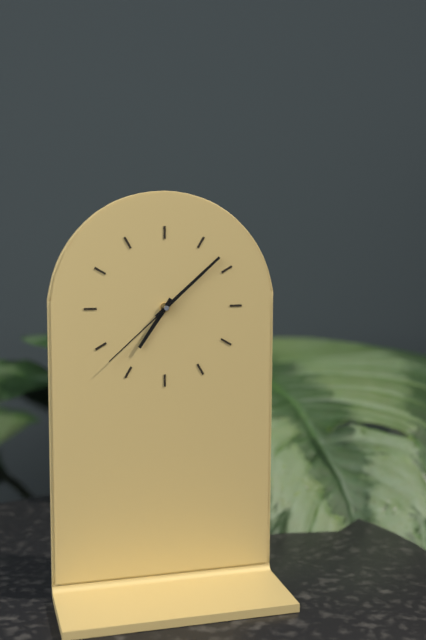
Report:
7h08m38s
